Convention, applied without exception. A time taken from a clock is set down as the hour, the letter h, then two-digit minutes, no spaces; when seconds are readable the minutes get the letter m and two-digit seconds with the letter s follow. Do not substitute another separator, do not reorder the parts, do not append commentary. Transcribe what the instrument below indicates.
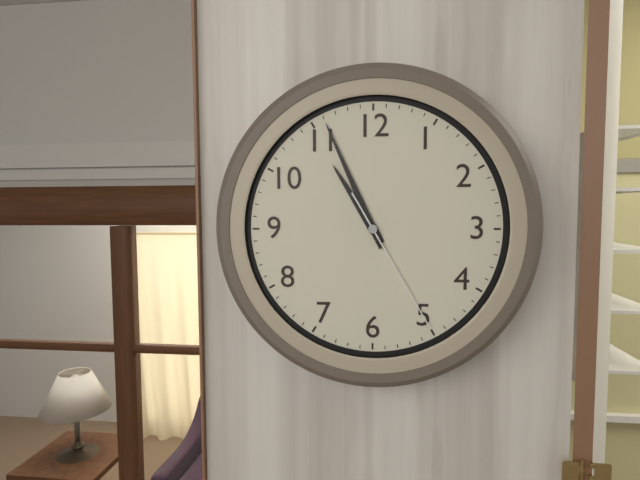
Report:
10h56m25s
